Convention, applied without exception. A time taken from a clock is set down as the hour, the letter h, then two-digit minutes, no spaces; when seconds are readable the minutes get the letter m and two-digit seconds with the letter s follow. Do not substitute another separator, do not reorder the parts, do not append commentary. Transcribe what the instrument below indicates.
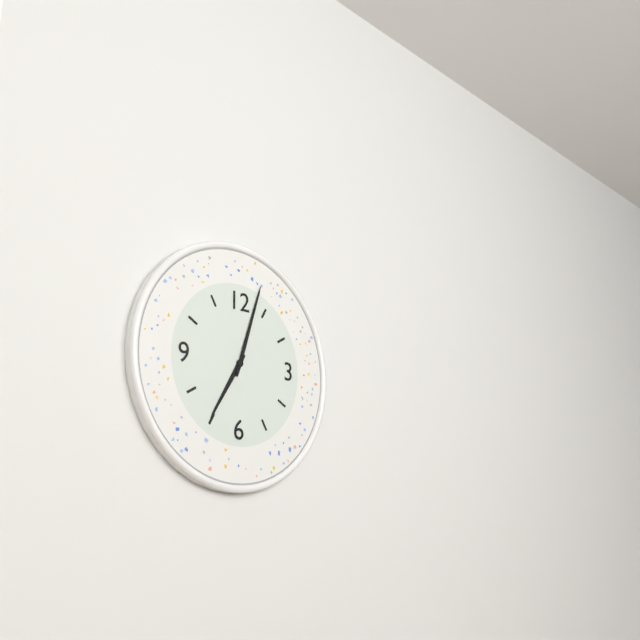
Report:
7h03
